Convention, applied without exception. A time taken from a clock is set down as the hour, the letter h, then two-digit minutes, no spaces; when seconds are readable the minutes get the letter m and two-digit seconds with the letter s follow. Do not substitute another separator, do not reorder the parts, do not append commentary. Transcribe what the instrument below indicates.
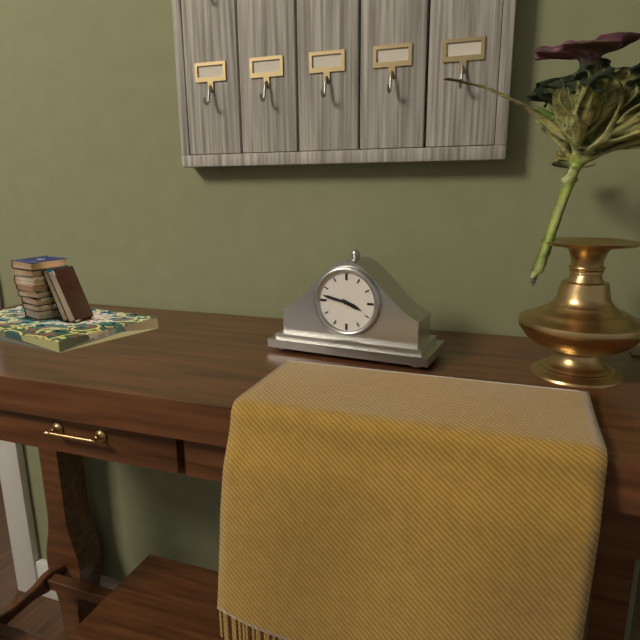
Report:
3h47
